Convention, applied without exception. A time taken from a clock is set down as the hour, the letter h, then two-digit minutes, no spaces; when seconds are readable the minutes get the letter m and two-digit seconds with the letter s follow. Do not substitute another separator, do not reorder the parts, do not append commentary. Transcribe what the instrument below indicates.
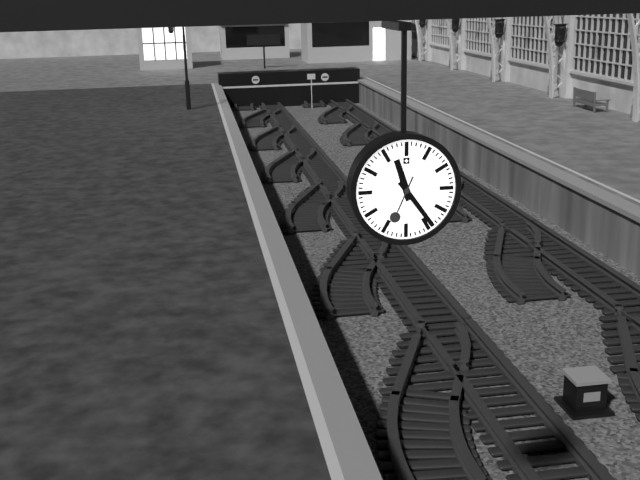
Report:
11h24
